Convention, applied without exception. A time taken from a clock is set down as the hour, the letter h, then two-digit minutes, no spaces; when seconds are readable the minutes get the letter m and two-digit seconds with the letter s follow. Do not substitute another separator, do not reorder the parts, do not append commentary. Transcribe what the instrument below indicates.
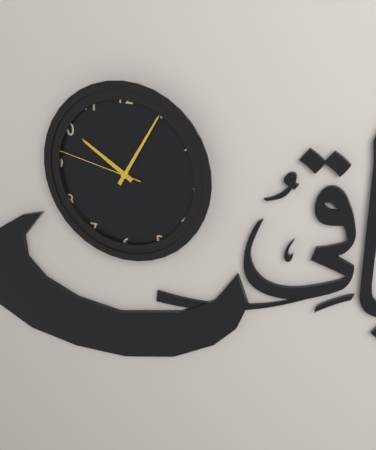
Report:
10h05m47s
